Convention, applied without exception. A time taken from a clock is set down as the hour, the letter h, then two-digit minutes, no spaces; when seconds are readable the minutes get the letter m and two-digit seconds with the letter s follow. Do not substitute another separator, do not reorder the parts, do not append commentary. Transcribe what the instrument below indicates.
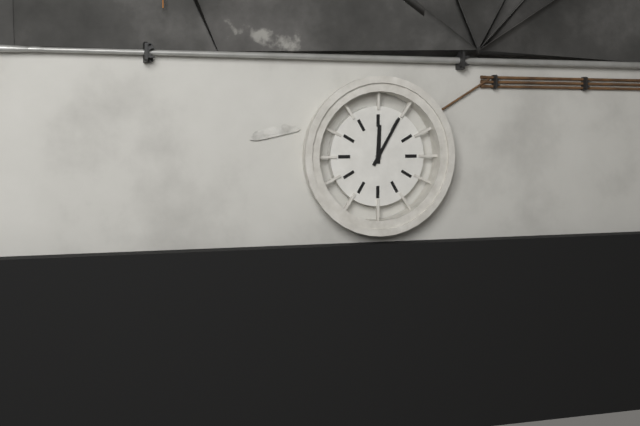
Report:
12h05
